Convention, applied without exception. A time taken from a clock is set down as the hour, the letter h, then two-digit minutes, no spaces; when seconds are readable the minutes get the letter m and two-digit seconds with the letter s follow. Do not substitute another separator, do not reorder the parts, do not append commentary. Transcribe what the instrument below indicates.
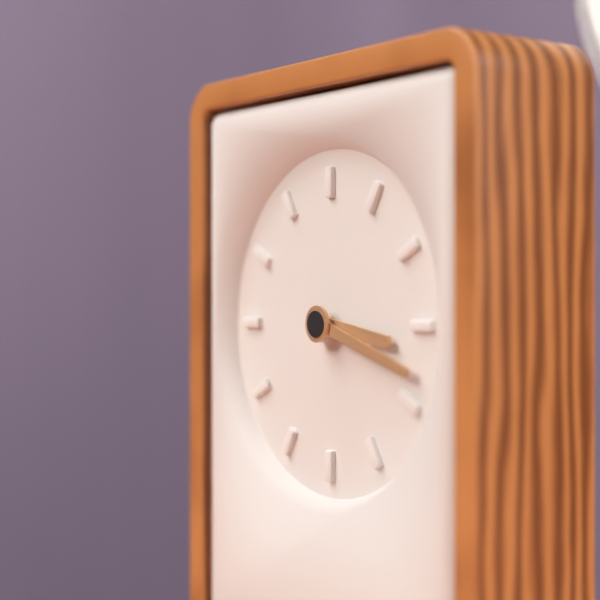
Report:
3h18
